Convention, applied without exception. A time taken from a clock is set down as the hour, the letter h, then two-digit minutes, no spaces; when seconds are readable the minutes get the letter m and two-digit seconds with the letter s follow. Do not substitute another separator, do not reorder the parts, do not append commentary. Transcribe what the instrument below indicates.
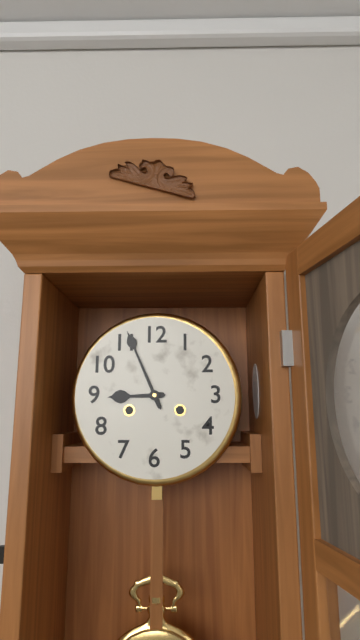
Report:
8h56
